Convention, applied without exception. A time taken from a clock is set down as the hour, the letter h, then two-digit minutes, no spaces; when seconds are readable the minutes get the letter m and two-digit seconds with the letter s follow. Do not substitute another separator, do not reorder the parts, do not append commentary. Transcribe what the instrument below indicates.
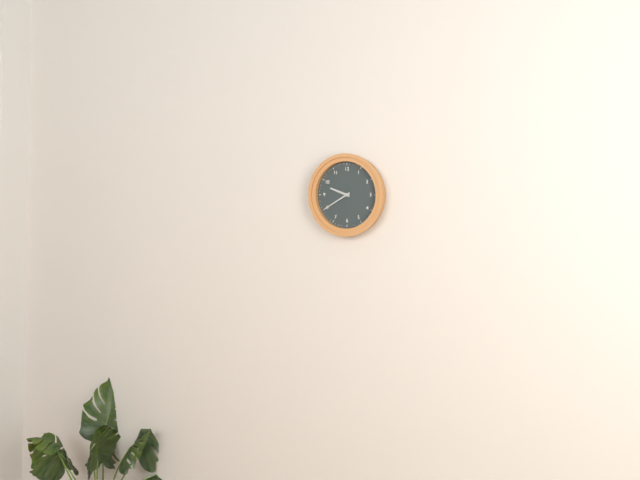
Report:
9h40
